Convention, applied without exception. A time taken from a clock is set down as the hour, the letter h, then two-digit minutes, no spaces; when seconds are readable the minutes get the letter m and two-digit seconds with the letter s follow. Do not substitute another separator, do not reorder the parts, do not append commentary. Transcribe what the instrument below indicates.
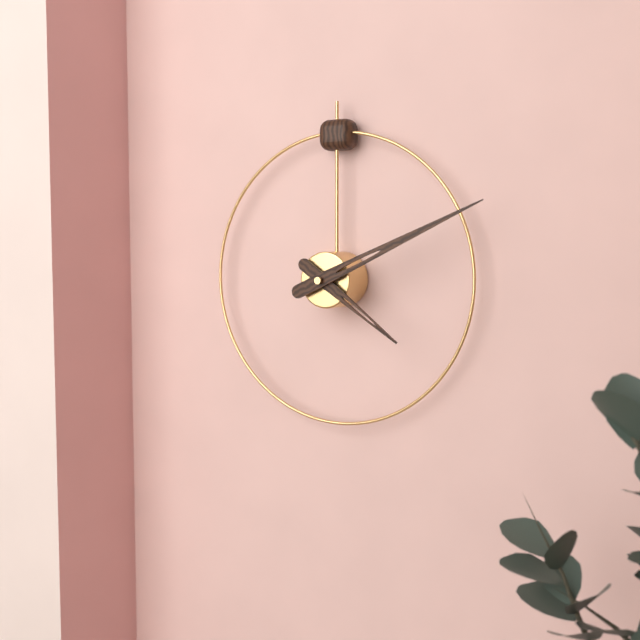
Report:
4h11
